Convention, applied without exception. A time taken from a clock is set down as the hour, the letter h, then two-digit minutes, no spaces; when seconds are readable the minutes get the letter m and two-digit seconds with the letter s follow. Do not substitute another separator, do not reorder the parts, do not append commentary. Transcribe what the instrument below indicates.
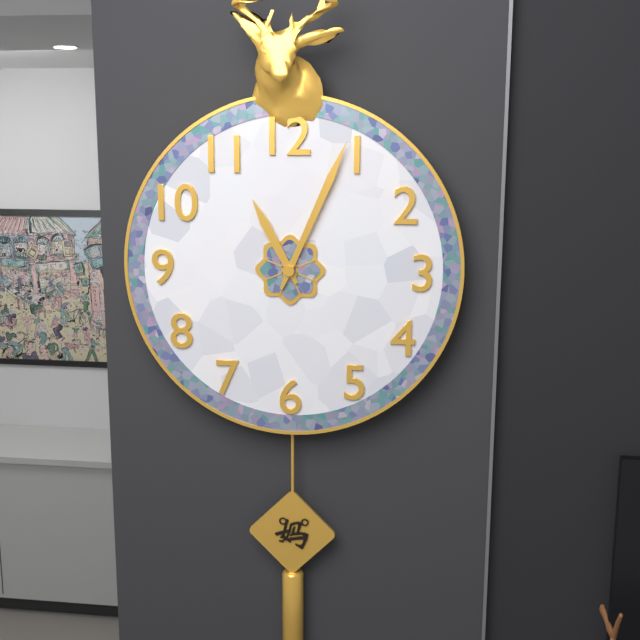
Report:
11h04
